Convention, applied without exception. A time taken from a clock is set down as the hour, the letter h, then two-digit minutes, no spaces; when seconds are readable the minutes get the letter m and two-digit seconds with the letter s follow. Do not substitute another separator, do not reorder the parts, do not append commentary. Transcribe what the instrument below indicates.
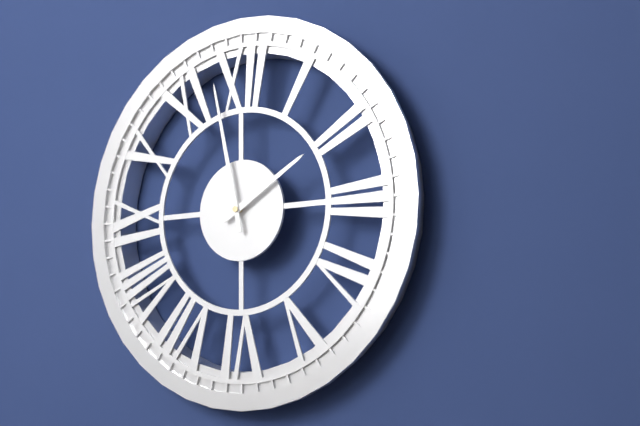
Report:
1h58
